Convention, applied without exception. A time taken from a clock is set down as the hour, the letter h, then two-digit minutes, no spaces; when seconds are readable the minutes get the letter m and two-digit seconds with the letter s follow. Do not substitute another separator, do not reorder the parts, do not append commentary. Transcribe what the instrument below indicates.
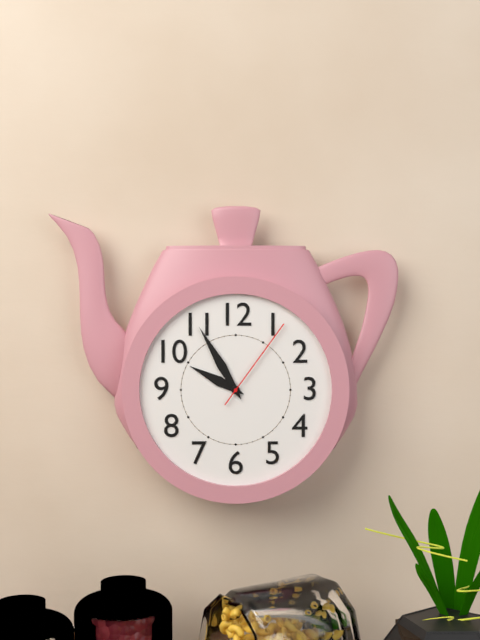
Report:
9h55m06s
